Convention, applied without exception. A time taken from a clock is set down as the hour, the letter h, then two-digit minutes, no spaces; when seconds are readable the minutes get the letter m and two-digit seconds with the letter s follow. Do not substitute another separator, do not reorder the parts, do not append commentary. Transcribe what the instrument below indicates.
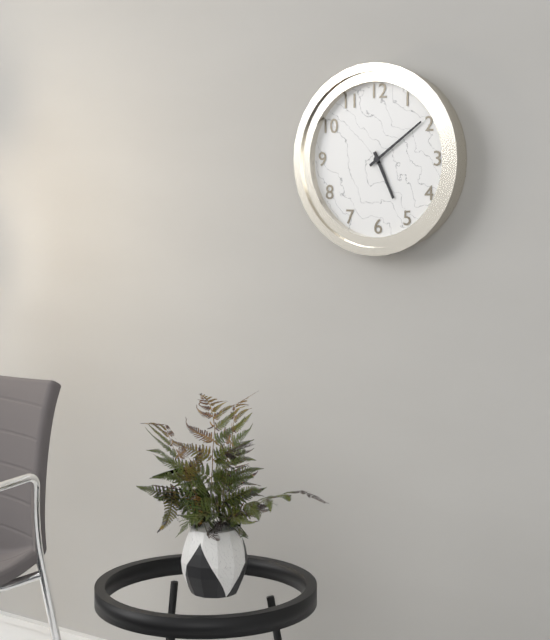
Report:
5h09
